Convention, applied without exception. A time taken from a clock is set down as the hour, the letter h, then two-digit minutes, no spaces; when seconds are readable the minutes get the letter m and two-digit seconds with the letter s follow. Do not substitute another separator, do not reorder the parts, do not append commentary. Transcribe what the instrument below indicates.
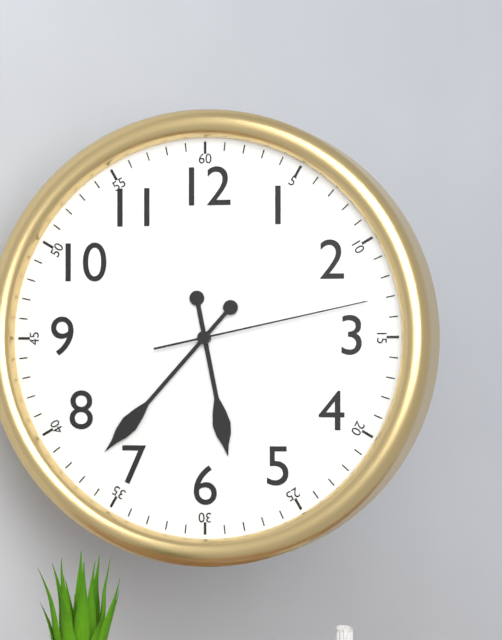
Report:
5h37m13s
